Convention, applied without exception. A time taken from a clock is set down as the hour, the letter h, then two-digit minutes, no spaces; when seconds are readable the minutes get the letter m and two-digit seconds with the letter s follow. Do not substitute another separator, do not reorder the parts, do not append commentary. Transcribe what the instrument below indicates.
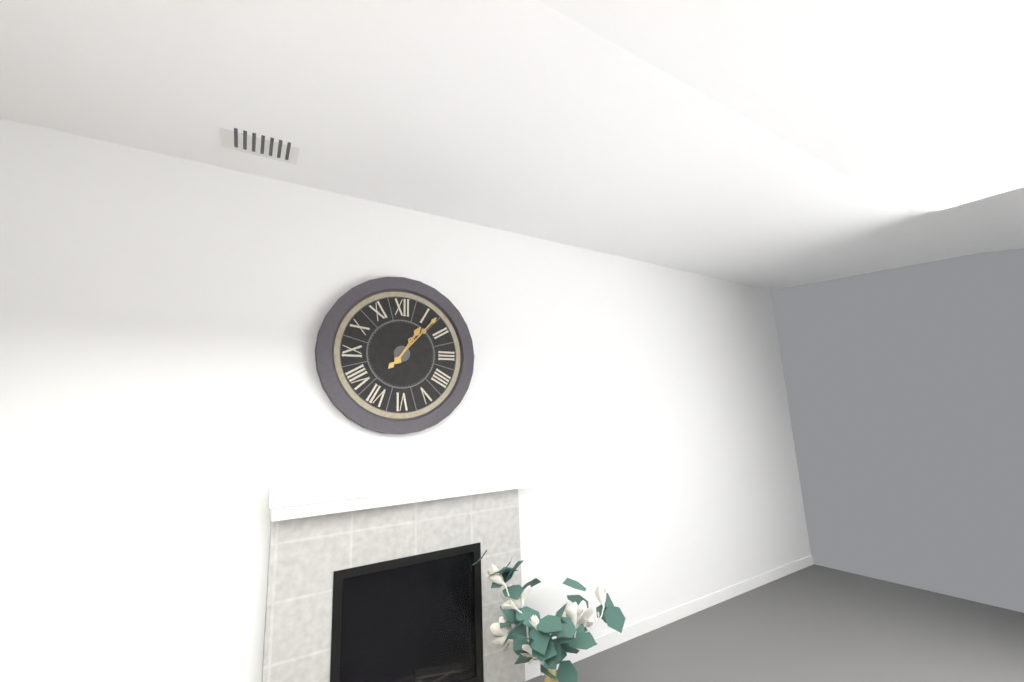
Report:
1h07
